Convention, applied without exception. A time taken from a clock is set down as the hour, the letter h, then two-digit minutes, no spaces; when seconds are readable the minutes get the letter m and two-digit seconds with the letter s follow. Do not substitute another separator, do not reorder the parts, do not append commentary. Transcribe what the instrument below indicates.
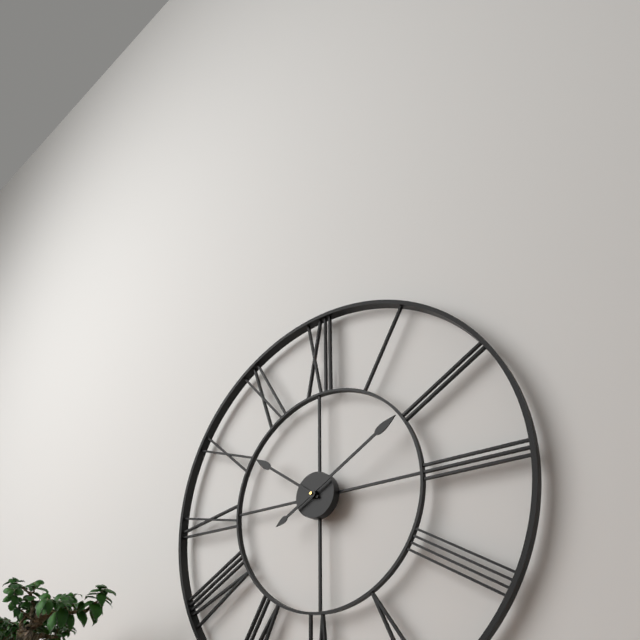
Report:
10h10
